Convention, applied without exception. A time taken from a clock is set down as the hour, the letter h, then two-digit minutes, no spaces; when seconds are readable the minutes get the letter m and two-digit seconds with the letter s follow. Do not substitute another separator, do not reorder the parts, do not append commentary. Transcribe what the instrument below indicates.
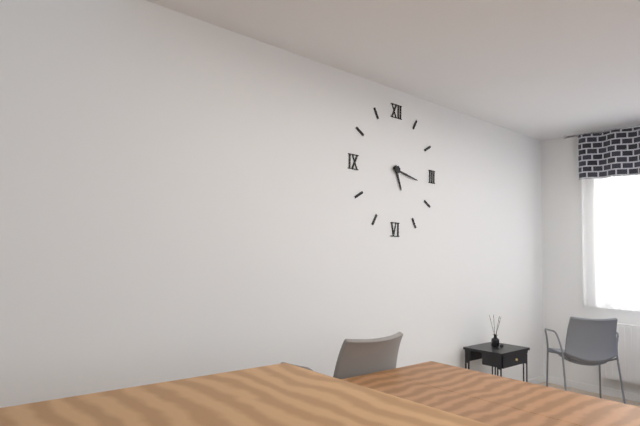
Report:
5h17
